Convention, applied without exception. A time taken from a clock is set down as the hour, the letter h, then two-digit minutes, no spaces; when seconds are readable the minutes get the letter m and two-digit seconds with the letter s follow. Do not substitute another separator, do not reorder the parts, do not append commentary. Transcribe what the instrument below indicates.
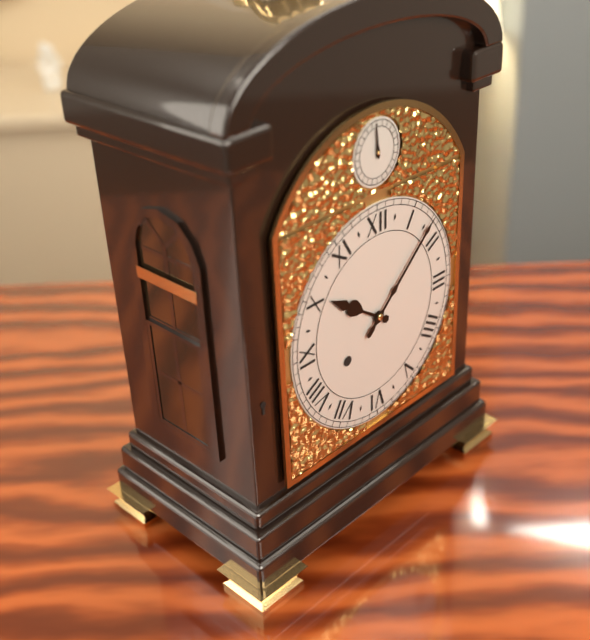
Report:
10h08
